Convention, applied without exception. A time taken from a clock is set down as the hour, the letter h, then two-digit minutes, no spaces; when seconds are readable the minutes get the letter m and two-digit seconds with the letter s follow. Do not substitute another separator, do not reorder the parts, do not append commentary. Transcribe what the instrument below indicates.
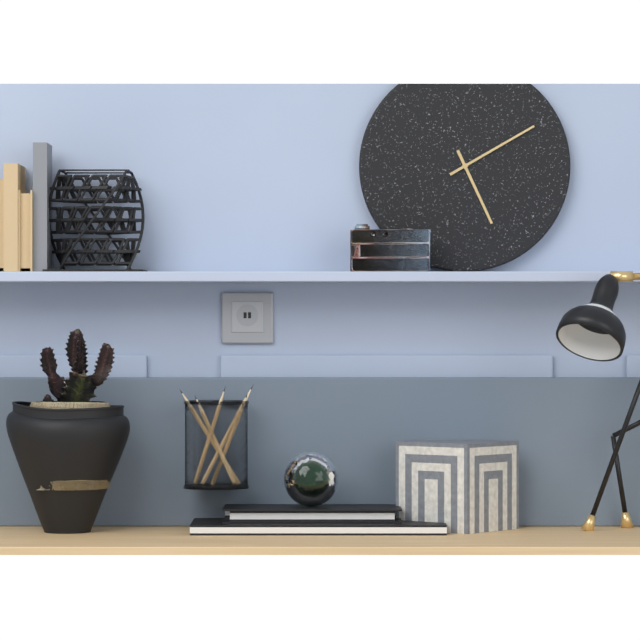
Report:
5h10
